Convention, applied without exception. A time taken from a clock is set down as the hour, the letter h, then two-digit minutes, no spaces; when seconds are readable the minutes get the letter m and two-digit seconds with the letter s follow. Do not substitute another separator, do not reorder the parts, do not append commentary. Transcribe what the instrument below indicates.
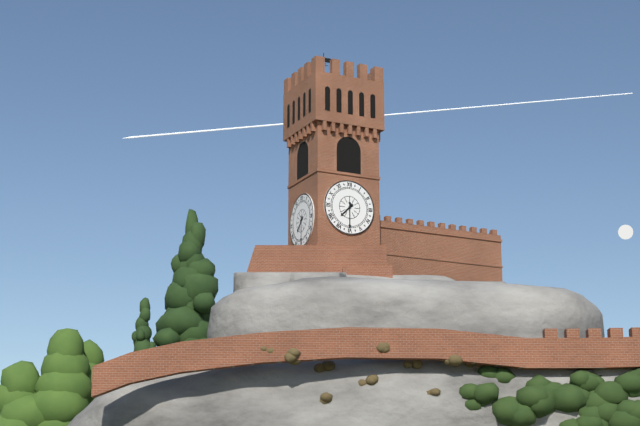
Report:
7h30
